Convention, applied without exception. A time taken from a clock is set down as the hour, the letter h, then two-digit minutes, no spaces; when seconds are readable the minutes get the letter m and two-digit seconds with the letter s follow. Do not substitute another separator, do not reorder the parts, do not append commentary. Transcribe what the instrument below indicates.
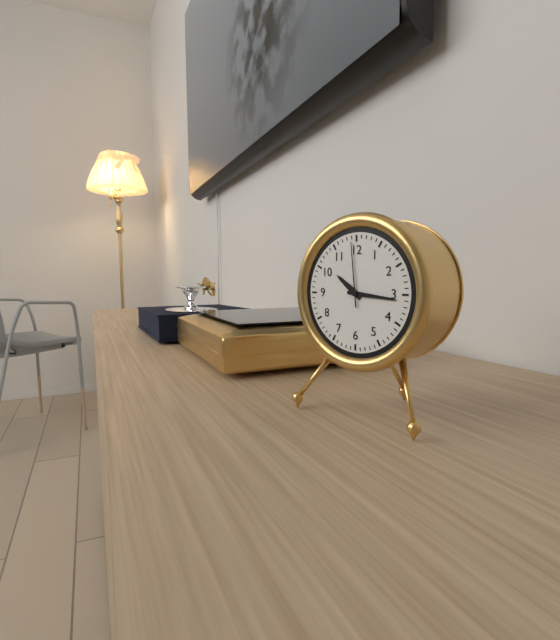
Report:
10h16m59s
